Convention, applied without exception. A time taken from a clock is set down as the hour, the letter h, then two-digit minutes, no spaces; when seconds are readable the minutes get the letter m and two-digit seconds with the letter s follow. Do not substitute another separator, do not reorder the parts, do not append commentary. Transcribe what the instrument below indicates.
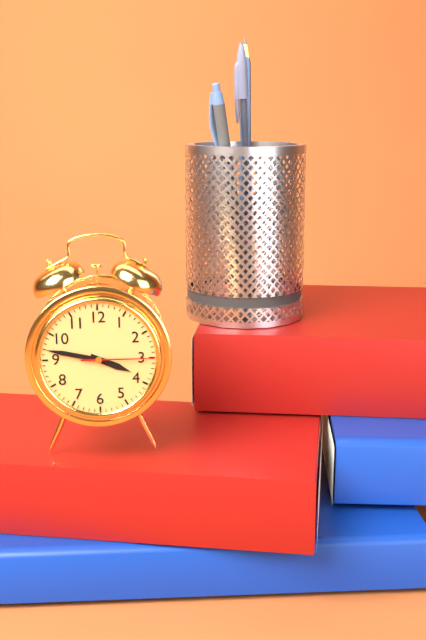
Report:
3h47m15s
